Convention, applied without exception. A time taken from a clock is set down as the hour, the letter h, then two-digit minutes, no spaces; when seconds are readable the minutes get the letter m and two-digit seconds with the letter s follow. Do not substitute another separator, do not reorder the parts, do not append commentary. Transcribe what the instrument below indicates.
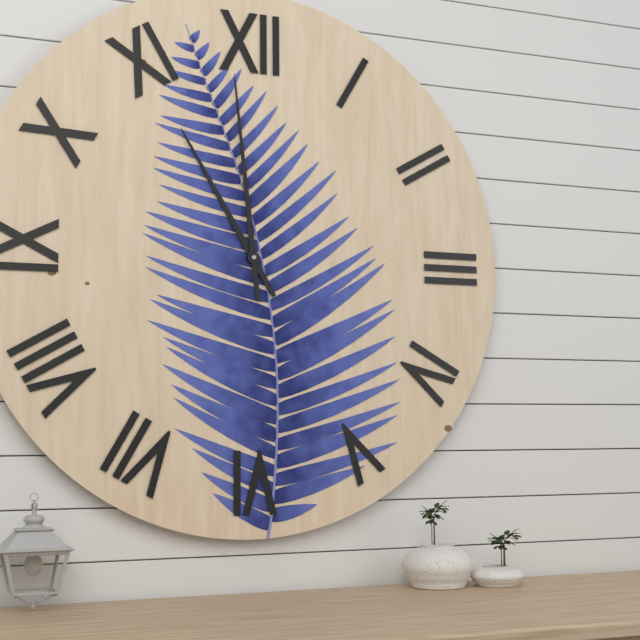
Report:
10h59
